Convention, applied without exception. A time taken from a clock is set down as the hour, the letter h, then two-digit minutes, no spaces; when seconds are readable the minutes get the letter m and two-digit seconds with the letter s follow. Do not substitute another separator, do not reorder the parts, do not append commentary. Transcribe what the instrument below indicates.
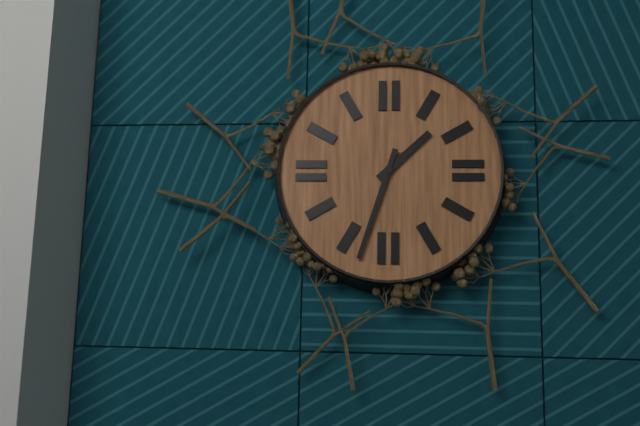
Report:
1h33
